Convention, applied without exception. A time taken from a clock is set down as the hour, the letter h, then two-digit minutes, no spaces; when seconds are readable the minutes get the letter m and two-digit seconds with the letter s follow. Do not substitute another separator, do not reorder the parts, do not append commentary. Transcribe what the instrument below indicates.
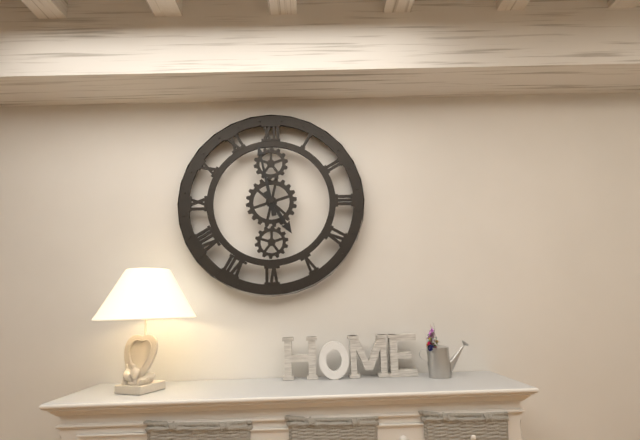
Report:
4h58
